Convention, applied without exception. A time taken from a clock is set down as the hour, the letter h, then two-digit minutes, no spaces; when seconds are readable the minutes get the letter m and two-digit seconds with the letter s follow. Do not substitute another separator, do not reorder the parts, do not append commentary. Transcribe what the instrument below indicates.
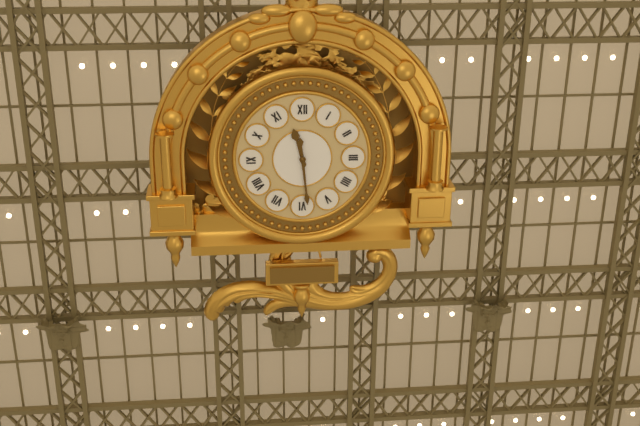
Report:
11h29
